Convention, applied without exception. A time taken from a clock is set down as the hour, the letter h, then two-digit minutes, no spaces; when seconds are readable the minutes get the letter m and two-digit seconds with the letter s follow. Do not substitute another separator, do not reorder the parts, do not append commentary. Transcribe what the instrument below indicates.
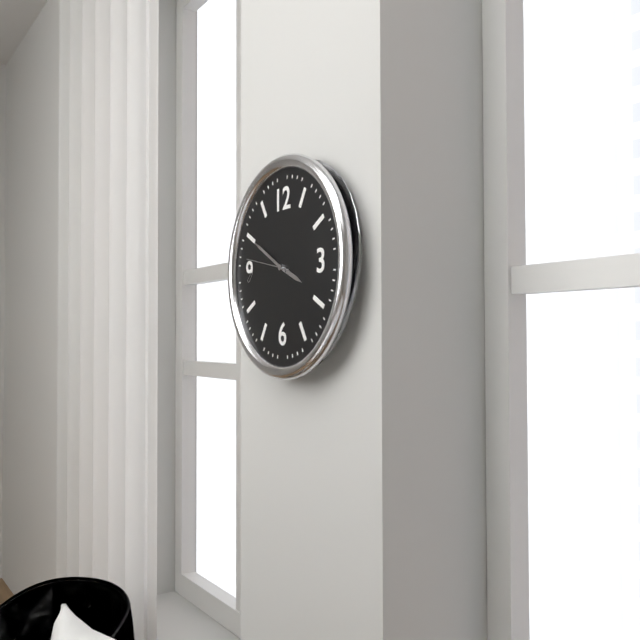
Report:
3h50m47s
